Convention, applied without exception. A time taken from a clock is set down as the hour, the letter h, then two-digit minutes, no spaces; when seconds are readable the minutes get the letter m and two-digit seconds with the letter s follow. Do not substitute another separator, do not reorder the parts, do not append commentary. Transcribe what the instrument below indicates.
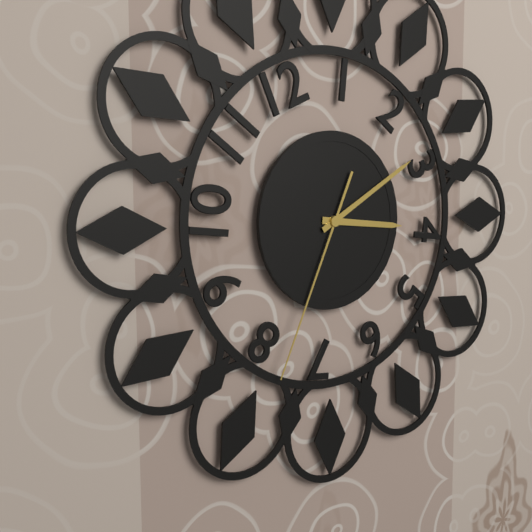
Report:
3h10m34s
